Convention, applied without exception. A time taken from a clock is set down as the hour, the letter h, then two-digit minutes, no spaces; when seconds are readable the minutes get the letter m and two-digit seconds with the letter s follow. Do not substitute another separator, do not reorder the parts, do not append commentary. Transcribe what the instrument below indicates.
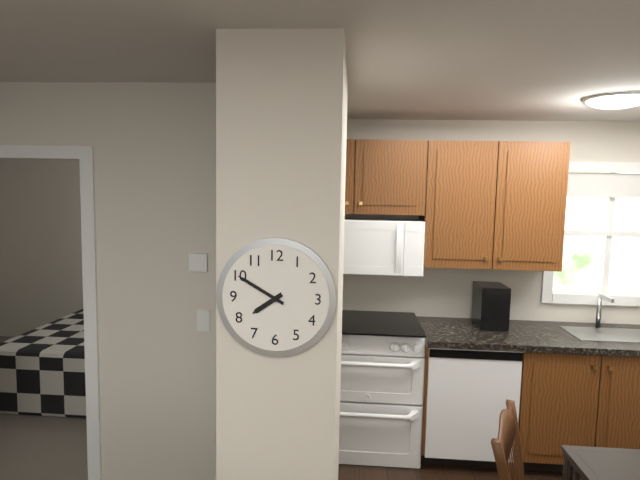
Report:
7h50
